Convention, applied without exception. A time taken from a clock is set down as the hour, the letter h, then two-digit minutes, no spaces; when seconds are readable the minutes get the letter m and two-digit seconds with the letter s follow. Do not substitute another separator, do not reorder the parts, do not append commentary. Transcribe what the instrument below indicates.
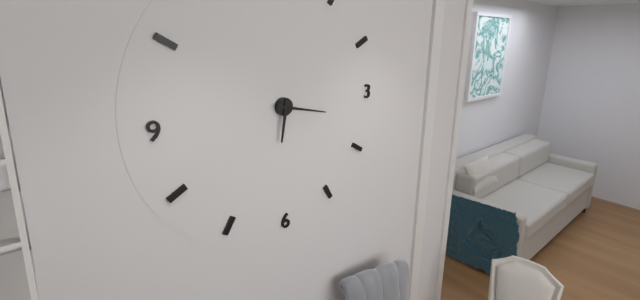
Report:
6h17
